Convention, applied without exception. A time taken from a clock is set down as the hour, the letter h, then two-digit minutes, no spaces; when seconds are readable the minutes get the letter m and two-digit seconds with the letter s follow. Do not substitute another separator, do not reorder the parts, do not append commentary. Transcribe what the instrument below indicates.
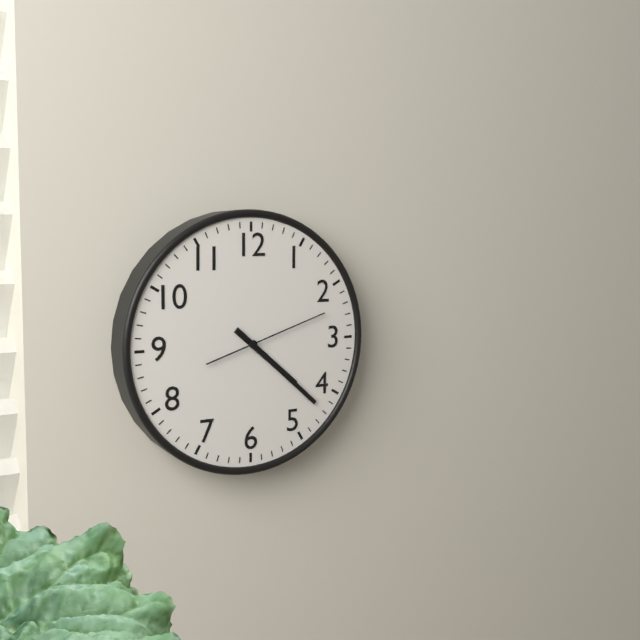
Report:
4h22m12s
